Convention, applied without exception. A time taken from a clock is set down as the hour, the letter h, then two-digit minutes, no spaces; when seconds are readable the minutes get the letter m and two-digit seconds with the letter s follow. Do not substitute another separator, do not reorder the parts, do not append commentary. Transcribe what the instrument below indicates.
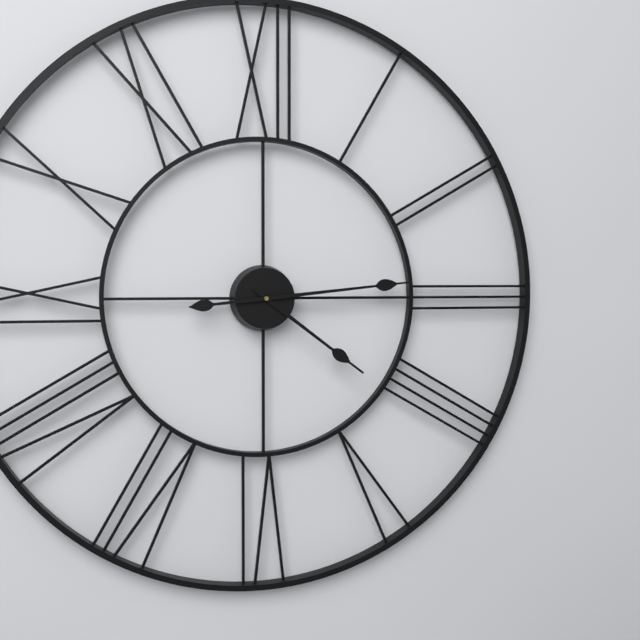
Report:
4h14
